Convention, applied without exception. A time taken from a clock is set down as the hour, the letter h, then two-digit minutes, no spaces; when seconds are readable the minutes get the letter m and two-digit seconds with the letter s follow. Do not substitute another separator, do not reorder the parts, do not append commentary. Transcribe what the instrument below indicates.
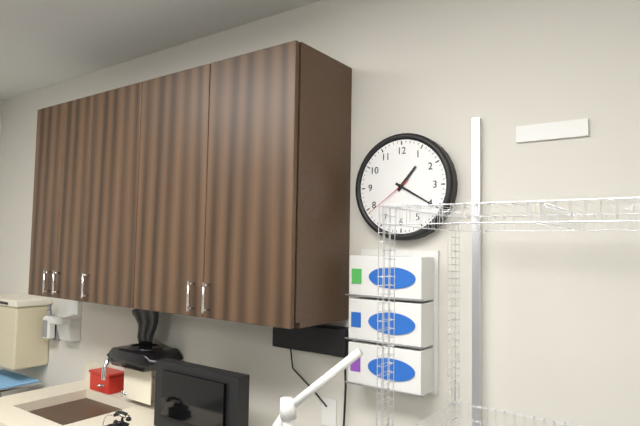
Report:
1h20m39s
